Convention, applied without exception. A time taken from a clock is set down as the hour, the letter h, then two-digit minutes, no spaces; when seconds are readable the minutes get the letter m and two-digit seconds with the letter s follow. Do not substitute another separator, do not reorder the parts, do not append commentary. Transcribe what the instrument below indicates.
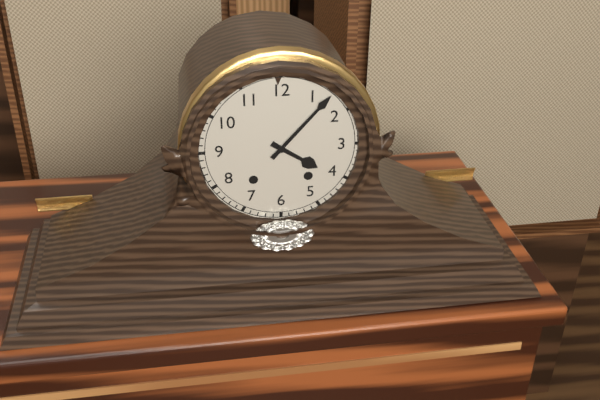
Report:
4h07
